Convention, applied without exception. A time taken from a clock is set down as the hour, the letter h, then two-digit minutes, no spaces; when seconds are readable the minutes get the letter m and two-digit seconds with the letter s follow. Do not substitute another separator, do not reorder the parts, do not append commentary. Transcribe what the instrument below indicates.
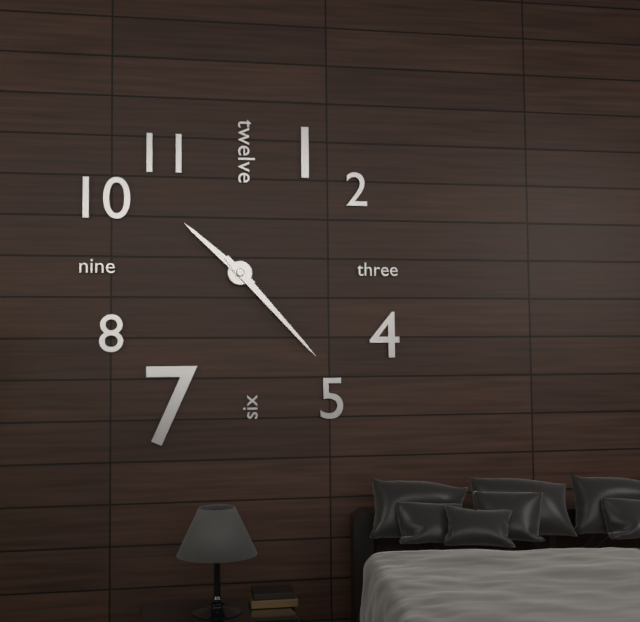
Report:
10h23
